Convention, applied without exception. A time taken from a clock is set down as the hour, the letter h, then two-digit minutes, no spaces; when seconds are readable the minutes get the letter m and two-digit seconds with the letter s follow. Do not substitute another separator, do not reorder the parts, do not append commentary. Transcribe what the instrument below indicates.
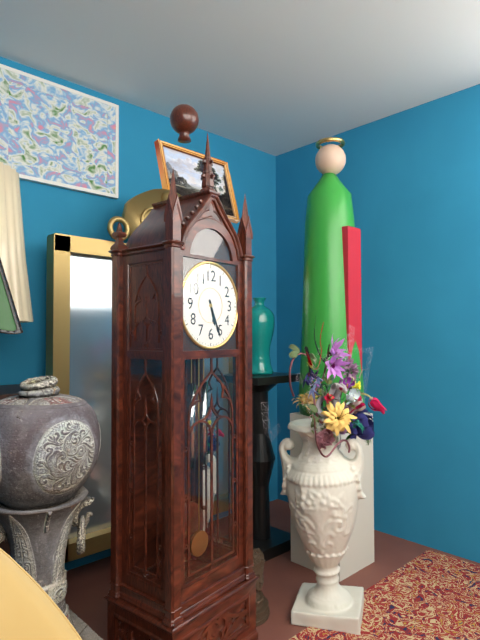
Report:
5h26
